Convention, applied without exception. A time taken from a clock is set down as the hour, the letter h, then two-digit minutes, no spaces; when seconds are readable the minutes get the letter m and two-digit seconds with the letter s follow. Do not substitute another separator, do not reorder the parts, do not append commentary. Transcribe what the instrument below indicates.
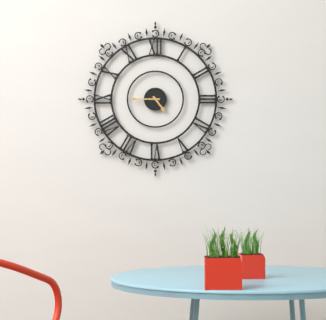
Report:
4h45
